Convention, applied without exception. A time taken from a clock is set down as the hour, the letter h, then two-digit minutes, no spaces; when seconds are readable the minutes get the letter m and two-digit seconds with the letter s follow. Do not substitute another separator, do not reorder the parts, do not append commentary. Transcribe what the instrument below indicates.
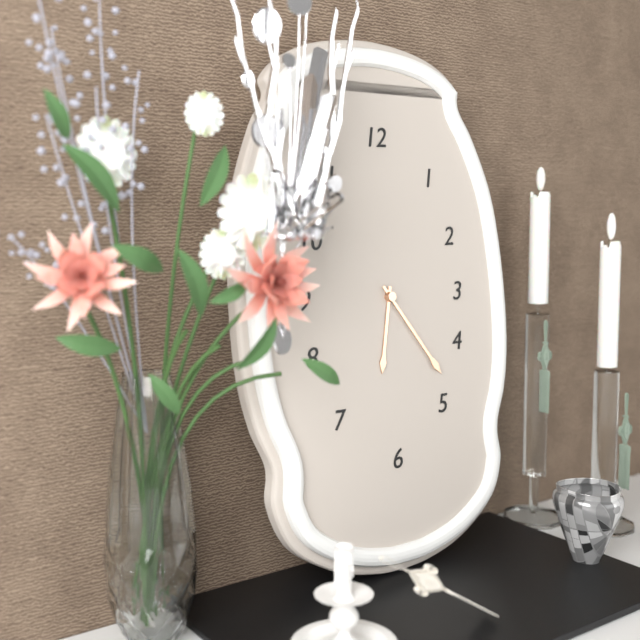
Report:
6h24
